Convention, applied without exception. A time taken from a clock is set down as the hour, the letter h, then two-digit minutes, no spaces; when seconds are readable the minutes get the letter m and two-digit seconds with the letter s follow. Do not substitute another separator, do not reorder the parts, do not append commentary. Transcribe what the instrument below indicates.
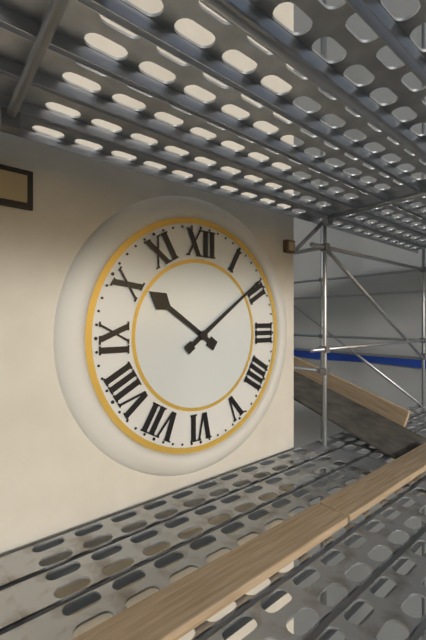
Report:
10h09
